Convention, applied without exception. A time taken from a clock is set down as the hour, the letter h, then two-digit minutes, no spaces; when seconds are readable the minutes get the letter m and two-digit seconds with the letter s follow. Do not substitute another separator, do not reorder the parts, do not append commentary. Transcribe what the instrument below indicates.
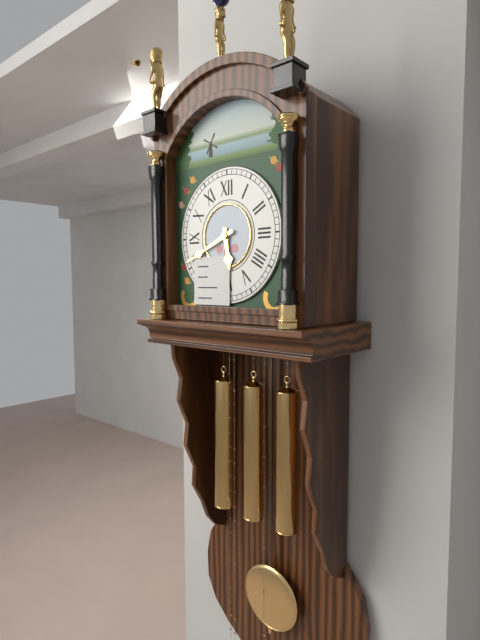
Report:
5h41
